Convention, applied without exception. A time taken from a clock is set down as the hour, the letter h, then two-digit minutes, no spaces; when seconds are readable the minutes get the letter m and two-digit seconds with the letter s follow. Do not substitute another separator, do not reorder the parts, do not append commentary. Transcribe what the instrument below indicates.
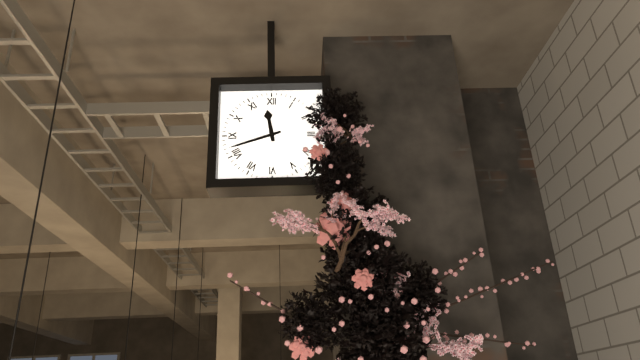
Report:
11h42
